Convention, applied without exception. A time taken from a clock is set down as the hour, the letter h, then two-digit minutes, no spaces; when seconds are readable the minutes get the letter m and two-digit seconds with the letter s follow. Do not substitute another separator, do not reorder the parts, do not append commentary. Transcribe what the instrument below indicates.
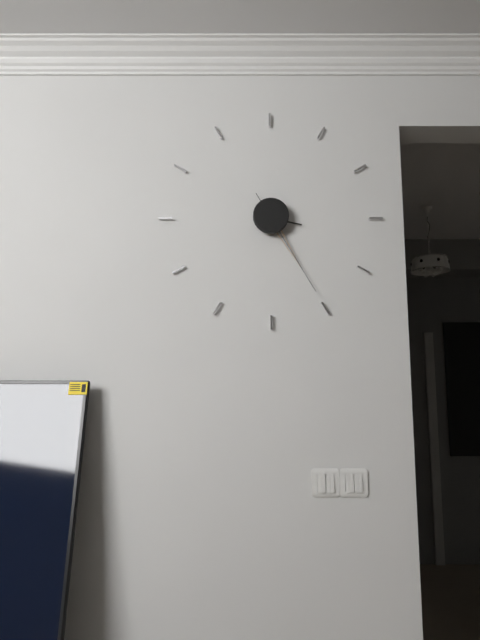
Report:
3h25m25s
